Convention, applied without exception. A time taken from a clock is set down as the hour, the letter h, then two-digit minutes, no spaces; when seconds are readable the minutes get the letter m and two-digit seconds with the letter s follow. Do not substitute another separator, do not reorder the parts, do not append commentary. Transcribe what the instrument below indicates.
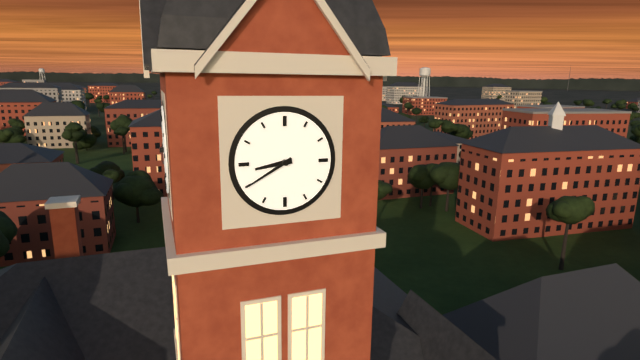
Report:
8h40
